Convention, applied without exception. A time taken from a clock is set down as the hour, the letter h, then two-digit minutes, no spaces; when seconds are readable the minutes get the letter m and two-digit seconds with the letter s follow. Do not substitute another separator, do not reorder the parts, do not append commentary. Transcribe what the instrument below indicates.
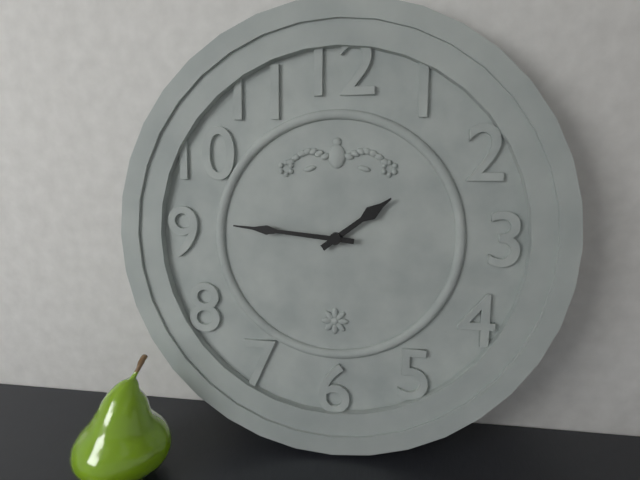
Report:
1h46
